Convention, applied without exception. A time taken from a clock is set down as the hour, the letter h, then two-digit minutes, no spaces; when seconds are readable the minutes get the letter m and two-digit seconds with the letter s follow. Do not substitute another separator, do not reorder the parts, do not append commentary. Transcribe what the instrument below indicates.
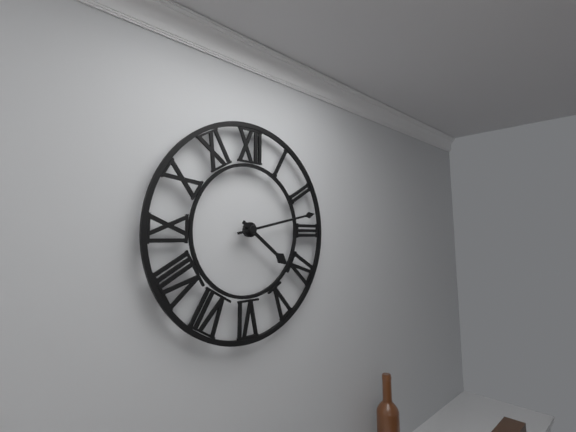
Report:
4h13
